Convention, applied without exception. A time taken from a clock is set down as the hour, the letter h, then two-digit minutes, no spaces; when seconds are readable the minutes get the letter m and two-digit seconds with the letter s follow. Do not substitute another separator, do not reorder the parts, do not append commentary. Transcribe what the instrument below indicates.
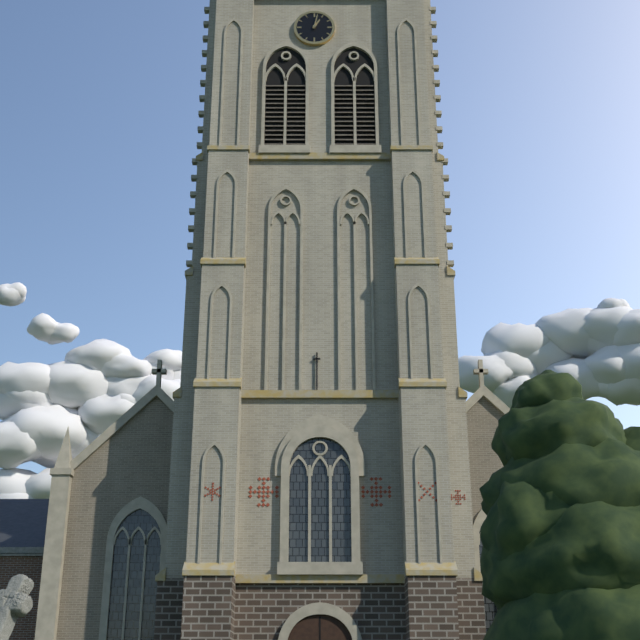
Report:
1h02
